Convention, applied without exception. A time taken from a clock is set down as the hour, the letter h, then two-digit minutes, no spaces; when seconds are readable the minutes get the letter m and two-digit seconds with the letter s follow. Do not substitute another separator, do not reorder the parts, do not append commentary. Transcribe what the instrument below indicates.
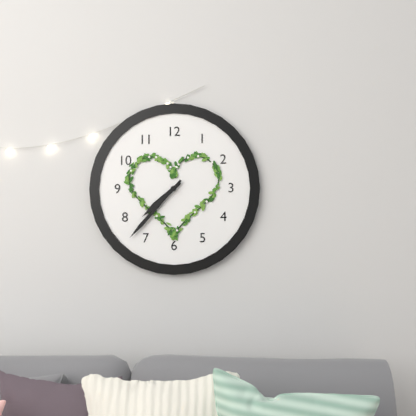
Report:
7h37
